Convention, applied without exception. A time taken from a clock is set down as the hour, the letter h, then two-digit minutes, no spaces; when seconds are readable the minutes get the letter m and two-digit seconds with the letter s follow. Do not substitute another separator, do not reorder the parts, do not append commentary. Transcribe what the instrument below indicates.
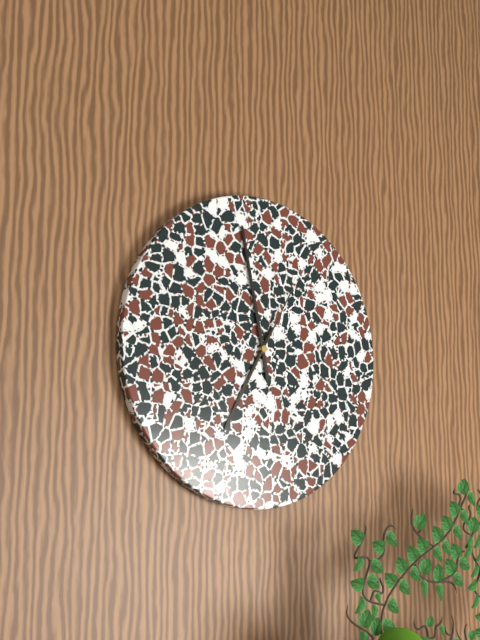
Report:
6h58m05s
